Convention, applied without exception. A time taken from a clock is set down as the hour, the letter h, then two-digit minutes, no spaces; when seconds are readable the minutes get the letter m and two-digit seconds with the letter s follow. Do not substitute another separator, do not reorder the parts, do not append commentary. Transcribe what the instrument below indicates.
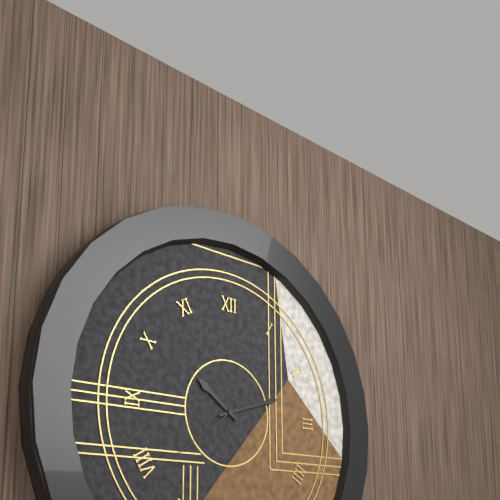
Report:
10h12m39s
